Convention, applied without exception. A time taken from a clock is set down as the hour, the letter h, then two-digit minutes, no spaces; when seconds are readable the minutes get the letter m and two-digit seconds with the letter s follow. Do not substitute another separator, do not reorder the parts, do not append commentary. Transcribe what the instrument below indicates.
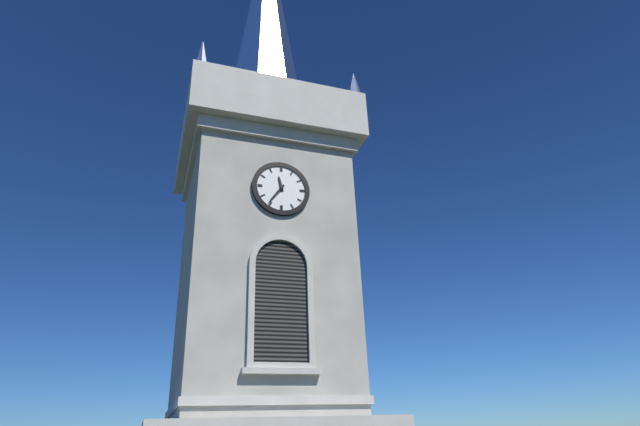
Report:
11h36
